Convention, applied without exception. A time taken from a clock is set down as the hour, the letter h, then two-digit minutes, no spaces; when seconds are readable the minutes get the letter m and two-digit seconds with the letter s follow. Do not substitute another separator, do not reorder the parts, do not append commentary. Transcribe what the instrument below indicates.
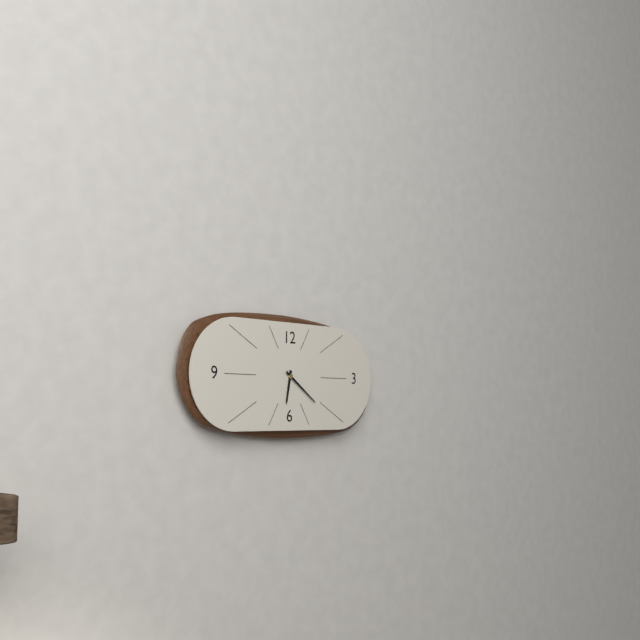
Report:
6h21
